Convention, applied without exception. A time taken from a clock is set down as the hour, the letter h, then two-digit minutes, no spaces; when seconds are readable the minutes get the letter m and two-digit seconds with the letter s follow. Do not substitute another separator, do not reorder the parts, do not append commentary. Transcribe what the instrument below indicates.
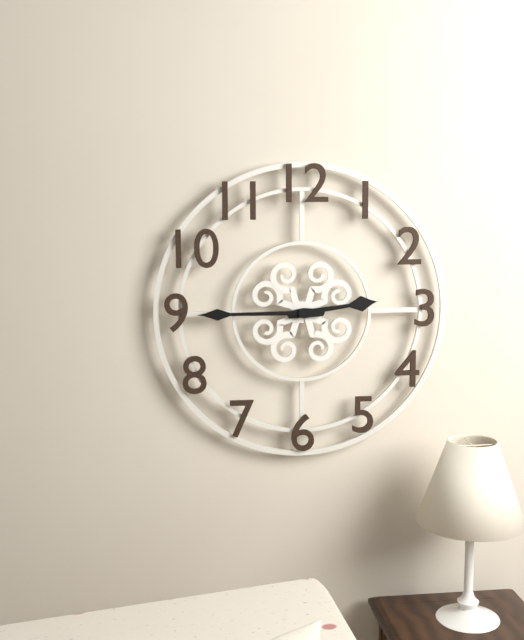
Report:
2h45
